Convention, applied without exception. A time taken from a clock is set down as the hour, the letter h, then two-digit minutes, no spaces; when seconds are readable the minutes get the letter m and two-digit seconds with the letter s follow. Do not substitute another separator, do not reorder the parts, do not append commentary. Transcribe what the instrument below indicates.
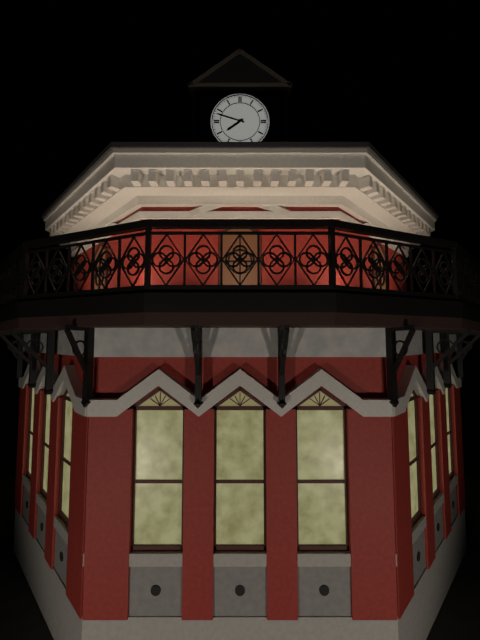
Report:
7h48
